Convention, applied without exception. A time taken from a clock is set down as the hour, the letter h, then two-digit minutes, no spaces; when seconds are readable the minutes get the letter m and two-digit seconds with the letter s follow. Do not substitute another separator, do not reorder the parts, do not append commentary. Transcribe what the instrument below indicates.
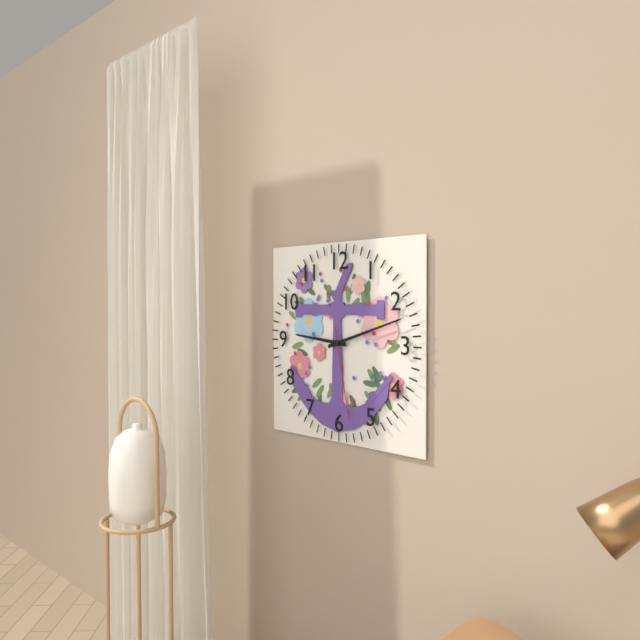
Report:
9h12m28s
